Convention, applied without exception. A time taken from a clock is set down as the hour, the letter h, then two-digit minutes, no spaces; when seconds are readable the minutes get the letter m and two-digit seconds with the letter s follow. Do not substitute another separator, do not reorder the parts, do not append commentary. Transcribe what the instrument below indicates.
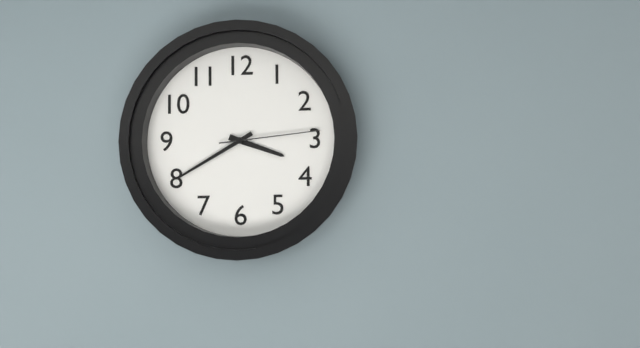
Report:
3h40m14s
